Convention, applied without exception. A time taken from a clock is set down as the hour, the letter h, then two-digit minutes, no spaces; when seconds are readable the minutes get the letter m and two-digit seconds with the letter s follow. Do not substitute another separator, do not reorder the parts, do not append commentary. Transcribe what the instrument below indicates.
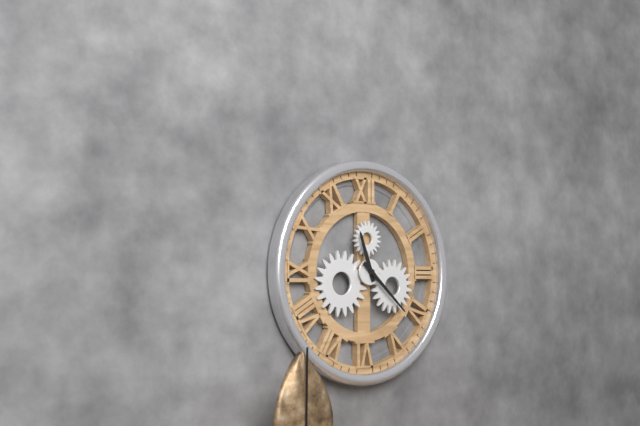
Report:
11h22
